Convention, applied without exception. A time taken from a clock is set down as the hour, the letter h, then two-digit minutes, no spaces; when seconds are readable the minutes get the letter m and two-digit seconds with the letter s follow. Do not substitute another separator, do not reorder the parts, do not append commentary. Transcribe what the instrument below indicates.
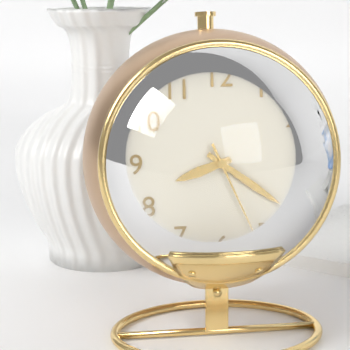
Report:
8h21m26s
